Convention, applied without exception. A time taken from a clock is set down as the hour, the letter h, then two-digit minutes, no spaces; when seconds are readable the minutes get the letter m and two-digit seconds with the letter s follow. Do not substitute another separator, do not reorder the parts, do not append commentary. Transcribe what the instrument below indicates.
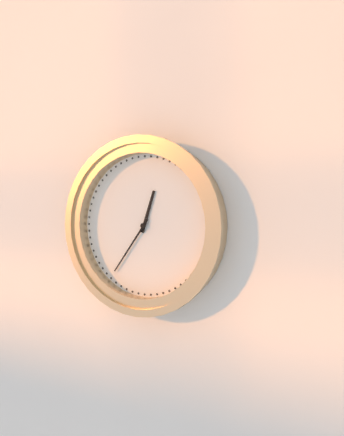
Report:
12h36
